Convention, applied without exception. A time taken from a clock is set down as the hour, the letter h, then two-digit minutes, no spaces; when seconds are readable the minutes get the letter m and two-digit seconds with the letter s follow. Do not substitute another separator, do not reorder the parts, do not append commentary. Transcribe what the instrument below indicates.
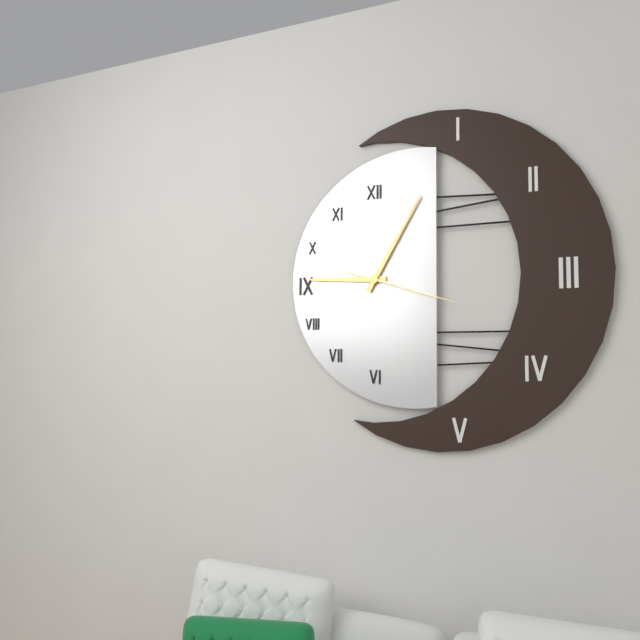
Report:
9h05m18s
